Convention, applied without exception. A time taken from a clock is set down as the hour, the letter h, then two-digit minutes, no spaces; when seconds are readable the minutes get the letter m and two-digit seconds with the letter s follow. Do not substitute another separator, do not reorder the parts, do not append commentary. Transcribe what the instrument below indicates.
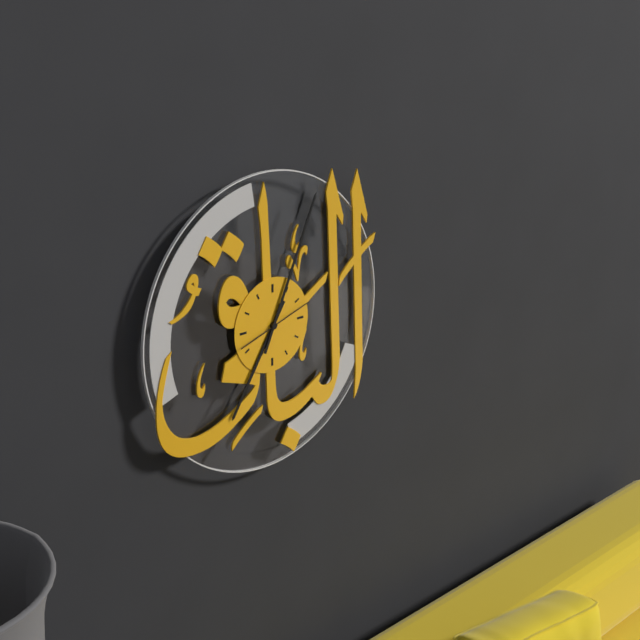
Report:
7h04m12s
